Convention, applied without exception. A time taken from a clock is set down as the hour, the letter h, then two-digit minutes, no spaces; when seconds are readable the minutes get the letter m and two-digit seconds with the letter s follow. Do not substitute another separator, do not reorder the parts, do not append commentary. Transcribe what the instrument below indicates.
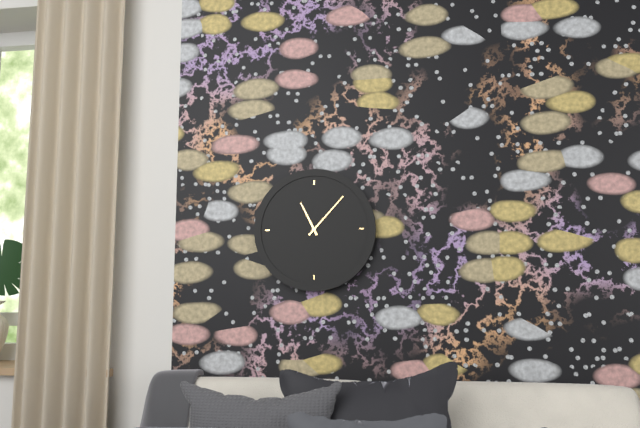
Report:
11h07
